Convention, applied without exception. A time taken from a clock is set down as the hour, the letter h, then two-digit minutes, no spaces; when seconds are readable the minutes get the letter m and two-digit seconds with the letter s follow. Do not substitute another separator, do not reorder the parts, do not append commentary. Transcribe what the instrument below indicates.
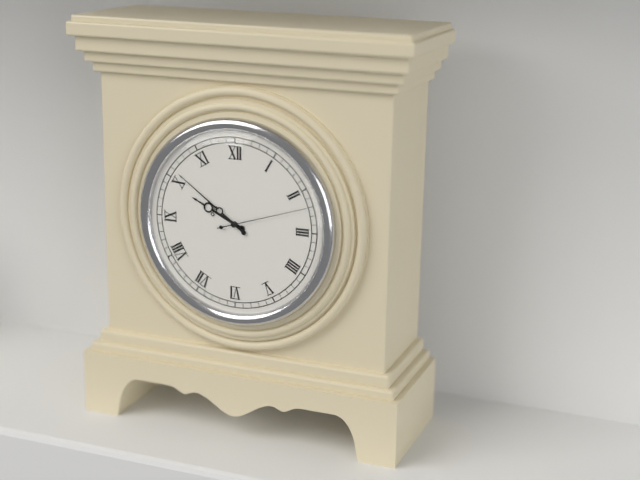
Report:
9h51m12s
